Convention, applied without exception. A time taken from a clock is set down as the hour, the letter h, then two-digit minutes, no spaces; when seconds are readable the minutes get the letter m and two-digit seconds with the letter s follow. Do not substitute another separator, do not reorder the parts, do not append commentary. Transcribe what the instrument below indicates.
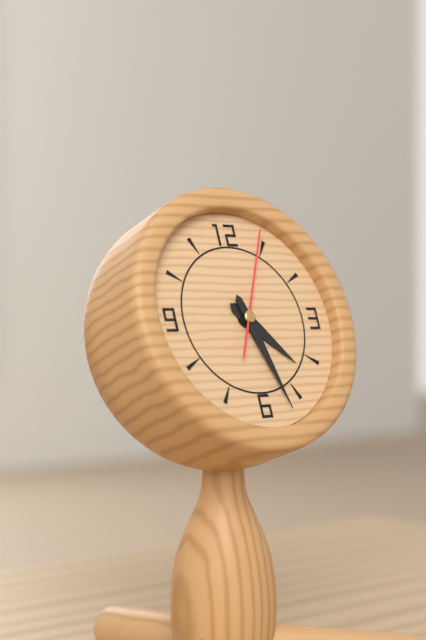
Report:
4h27m04s
